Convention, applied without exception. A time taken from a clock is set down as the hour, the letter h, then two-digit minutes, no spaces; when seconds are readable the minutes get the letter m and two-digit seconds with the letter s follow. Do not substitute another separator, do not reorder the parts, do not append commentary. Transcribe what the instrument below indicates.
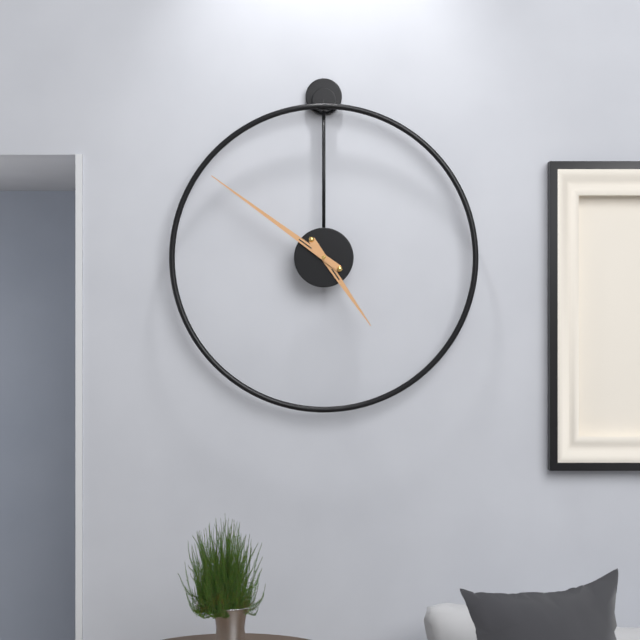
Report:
4h51
